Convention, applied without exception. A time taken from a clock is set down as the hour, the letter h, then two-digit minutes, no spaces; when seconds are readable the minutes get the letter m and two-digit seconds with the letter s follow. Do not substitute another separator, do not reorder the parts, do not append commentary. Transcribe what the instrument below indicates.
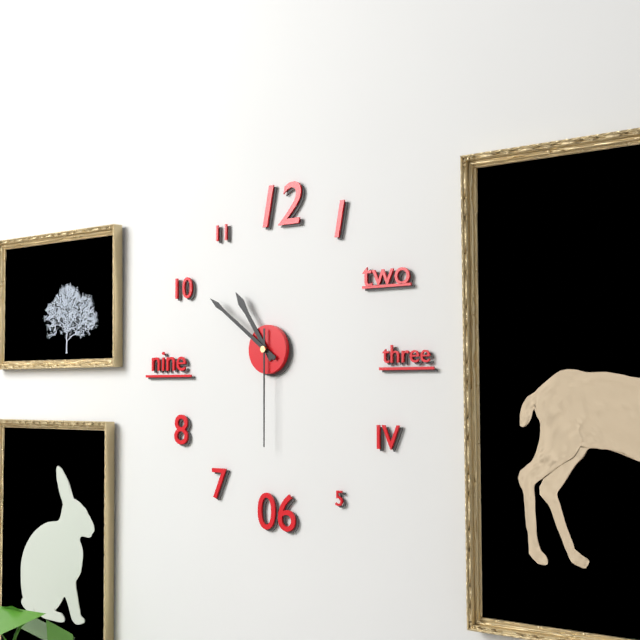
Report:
10h51m30s
